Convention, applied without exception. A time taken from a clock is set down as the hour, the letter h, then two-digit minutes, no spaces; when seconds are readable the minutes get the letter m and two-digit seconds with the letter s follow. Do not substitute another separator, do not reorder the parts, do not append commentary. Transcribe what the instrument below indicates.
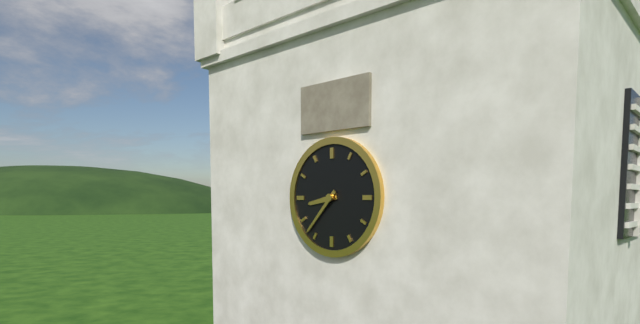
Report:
8h37
